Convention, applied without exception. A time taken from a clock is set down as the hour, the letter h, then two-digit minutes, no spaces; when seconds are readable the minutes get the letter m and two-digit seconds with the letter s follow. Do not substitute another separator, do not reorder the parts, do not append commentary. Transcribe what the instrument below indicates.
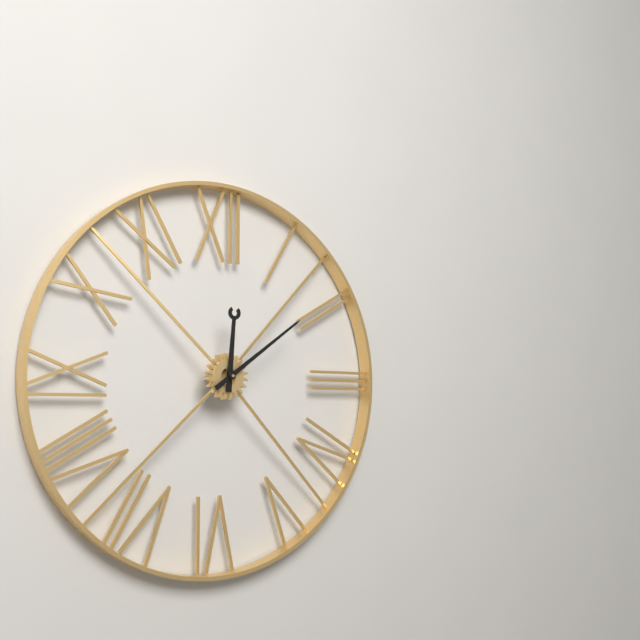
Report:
12h09
